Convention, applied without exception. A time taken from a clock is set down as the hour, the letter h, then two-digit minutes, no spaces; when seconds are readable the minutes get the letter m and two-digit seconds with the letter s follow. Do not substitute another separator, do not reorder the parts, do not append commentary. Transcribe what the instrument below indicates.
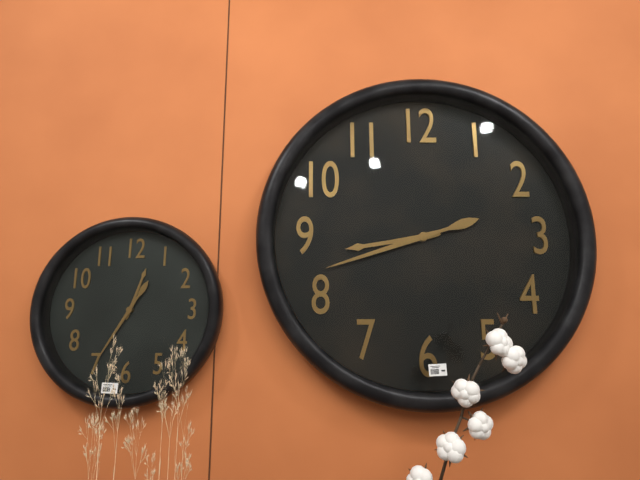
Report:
8h42
